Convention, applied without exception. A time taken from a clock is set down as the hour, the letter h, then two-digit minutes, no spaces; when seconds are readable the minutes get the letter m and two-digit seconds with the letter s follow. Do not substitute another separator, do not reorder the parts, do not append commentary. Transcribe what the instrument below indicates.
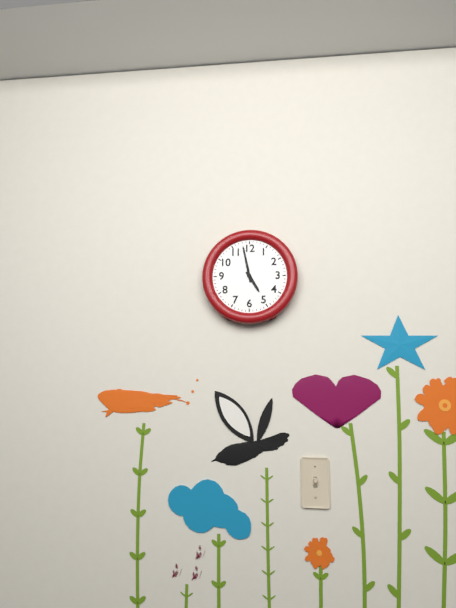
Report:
4h58
